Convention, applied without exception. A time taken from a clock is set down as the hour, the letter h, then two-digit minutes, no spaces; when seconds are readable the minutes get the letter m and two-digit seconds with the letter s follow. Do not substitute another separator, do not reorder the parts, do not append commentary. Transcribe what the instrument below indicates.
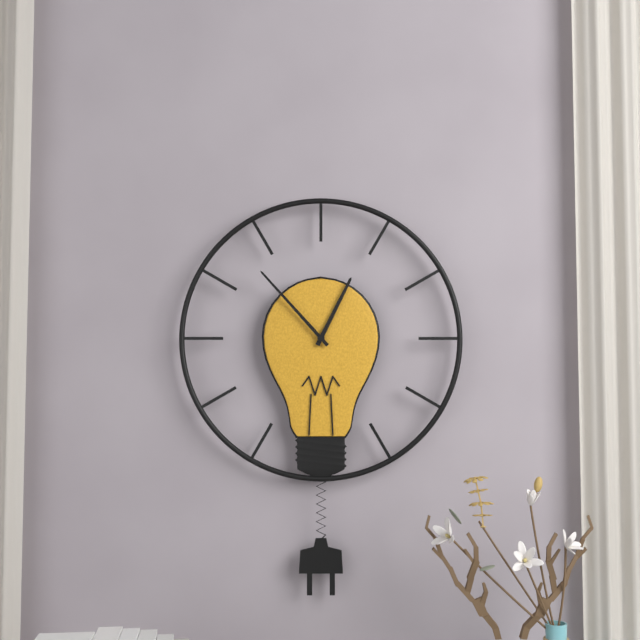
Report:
12h53
